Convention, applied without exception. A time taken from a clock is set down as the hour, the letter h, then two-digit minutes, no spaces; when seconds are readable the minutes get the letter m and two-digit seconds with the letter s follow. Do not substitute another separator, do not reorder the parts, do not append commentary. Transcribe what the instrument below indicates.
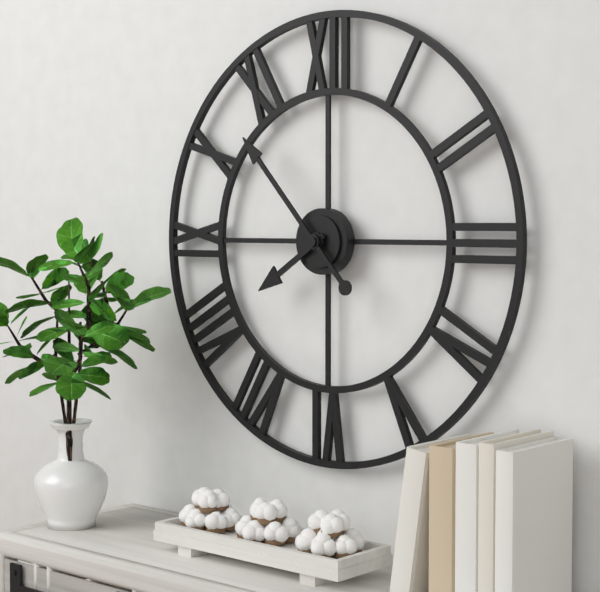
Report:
7h53
